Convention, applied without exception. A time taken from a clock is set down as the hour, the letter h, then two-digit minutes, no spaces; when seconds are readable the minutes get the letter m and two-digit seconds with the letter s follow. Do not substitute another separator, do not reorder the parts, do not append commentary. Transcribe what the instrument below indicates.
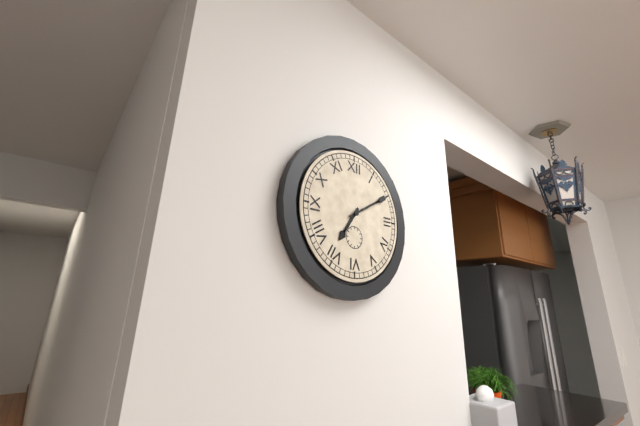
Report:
7h10
